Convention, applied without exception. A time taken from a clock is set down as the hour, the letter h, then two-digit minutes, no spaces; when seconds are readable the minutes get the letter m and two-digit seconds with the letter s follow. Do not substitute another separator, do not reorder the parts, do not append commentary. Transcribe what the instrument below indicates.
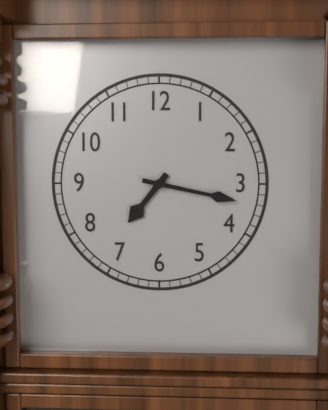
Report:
7h17
